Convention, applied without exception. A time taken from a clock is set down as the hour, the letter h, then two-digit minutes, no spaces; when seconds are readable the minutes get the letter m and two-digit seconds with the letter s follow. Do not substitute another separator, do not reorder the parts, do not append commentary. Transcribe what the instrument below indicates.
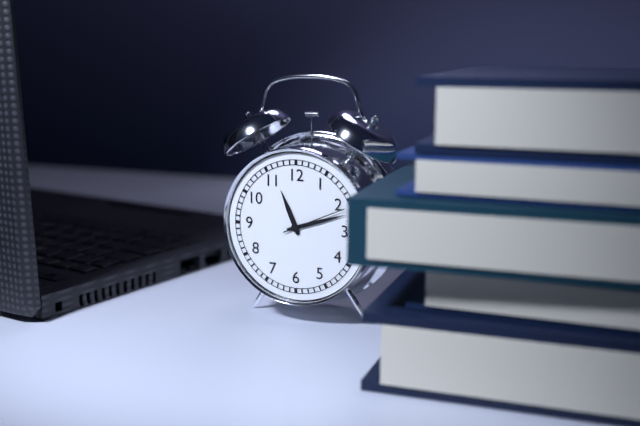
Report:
11h12m11s
